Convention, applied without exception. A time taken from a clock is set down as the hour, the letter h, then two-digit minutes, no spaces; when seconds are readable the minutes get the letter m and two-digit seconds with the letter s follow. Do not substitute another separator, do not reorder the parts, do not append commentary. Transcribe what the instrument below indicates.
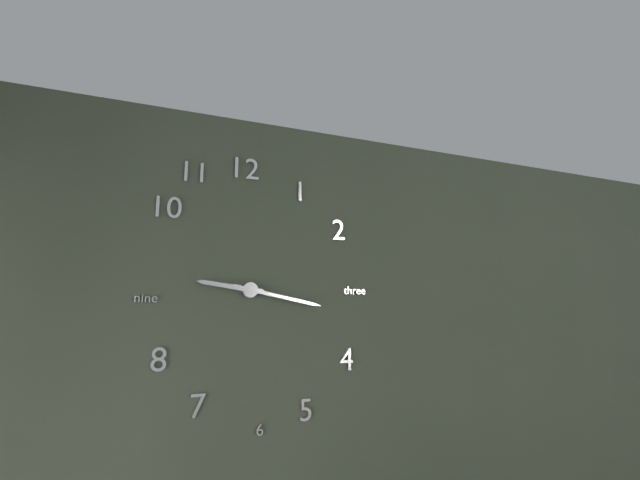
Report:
9h17
